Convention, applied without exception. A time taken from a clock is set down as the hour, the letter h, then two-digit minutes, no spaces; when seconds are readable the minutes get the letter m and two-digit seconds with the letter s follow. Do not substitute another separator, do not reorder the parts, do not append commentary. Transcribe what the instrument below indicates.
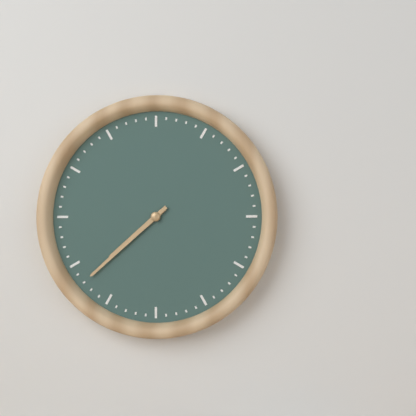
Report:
7h38
